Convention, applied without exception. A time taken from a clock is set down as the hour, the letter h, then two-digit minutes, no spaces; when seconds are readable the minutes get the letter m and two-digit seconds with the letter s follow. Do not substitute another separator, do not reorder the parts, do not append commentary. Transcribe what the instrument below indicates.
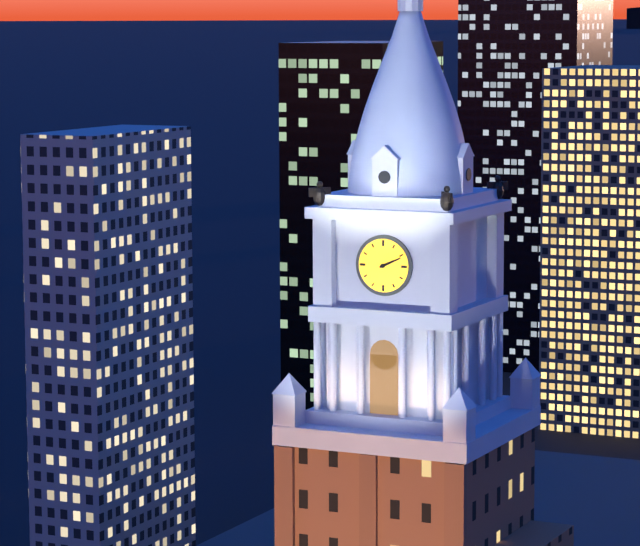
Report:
2h11
